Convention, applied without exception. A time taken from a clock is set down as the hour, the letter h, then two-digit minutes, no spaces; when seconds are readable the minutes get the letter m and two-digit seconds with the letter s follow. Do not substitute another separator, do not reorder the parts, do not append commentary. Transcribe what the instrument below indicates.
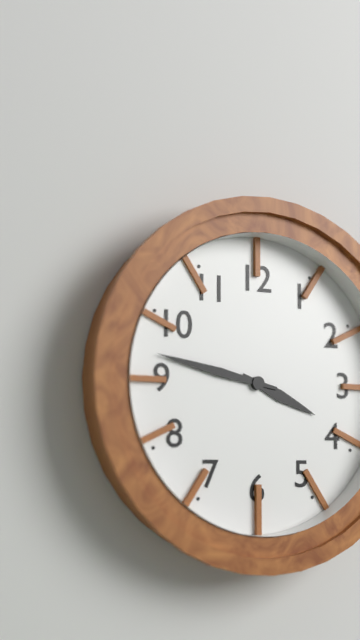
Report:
3h47
